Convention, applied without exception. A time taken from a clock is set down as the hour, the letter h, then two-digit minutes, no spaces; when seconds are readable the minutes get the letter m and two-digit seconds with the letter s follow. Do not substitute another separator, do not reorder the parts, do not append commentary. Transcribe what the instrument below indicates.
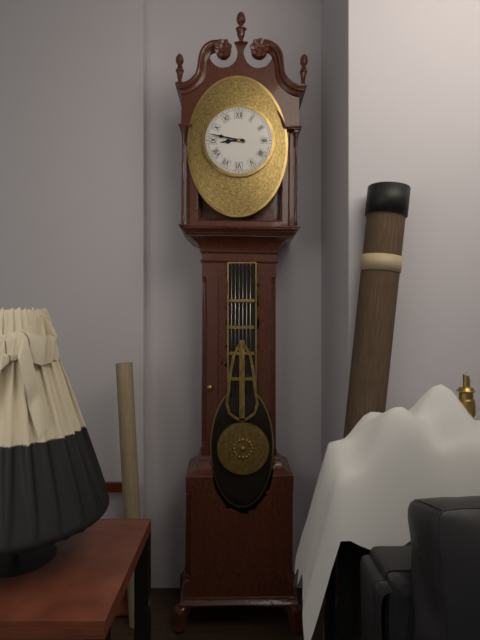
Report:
8h47
